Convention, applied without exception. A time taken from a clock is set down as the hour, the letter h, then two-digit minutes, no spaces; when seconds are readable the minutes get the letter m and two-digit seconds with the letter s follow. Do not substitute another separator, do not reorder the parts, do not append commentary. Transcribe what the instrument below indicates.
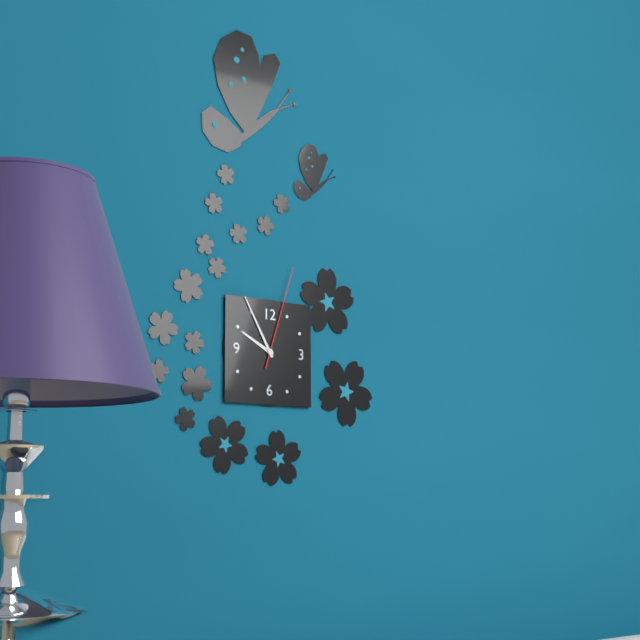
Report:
9h55m03s
